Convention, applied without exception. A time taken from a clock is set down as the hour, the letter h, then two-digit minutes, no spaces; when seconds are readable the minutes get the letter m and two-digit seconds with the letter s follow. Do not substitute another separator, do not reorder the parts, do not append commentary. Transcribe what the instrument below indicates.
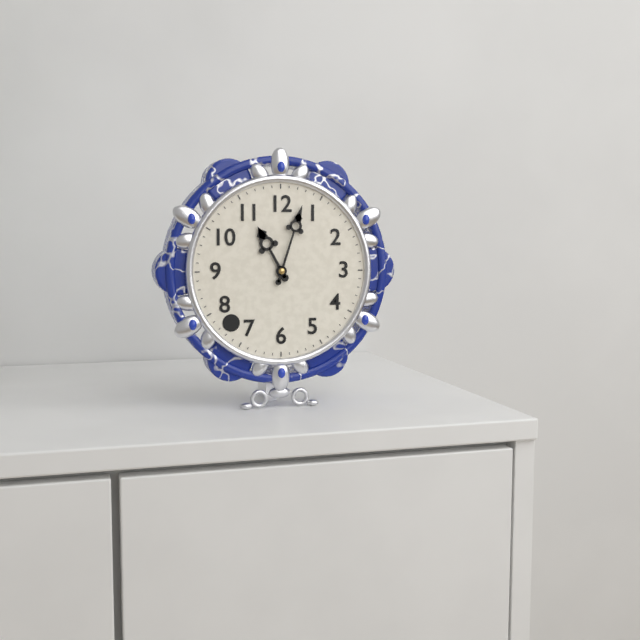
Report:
11h03
